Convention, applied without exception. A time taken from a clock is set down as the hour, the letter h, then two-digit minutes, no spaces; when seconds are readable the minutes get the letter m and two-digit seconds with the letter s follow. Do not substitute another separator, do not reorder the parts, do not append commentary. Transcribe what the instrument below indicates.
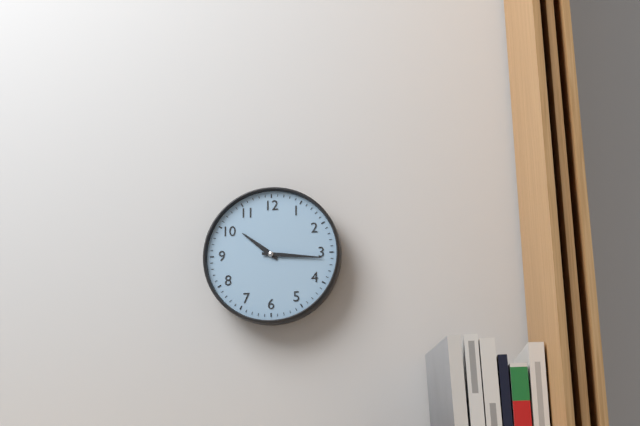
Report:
10h16
